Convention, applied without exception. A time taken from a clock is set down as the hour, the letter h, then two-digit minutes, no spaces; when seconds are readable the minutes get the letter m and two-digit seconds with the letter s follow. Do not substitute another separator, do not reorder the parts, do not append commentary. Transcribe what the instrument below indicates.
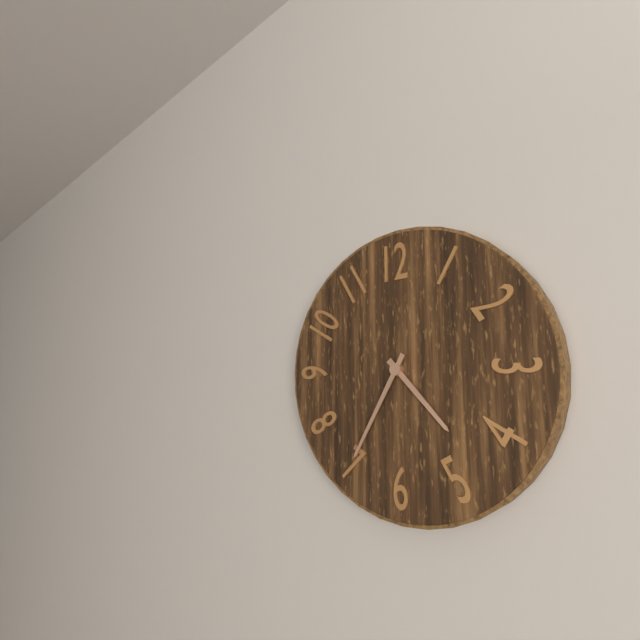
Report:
4h35
